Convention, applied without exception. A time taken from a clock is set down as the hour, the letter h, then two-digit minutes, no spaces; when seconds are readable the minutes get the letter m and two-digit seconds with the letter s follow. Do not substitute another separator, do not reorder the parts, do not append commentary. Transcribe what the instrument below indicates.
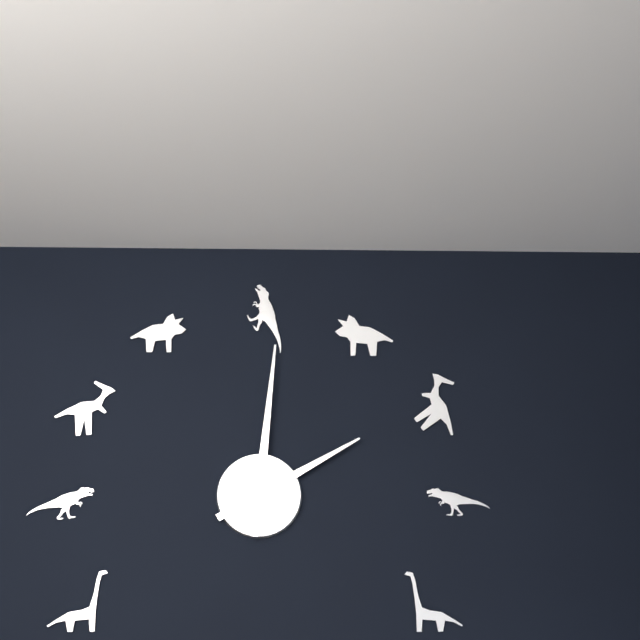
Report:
2h01
